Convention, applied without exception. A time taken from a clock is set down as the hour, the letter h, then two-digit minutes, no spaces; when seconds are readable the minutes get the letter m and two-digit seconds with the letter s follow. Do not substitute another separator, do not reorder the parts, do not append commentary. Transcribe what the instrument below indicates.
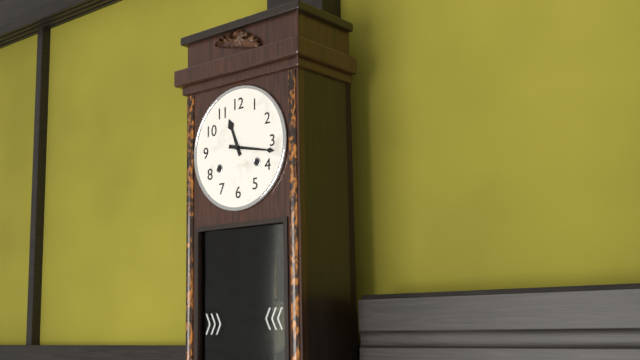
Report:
11h17
